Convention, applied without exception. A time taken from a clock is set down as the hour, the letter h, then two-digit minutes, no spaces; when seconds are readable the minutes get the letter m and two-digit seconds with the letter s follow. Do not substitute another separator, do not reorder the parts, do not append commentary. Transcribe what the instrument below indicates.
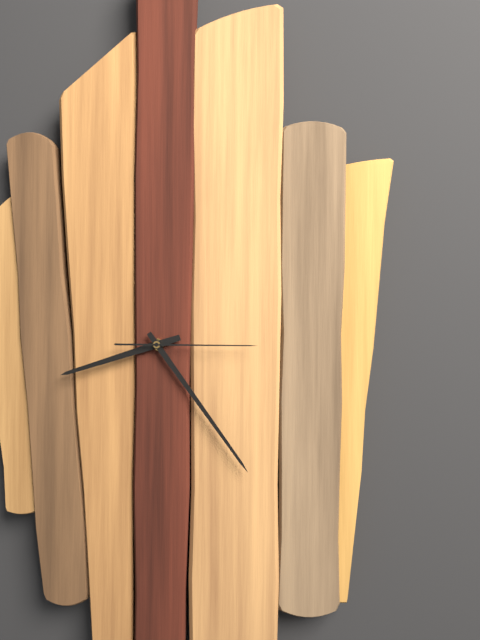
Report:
8h24m15s
